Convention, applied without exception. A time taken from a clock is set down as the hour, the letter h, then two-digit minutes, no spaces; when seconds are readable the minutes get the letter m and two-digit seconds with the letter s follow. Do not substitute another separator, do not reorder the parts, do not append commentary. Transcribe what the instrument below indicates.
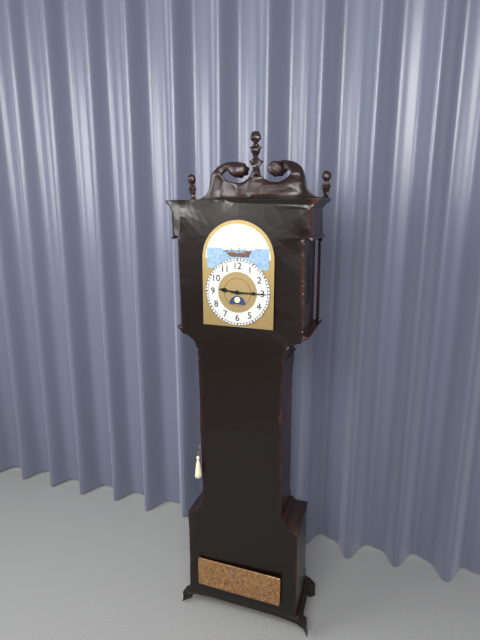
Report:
9h15
